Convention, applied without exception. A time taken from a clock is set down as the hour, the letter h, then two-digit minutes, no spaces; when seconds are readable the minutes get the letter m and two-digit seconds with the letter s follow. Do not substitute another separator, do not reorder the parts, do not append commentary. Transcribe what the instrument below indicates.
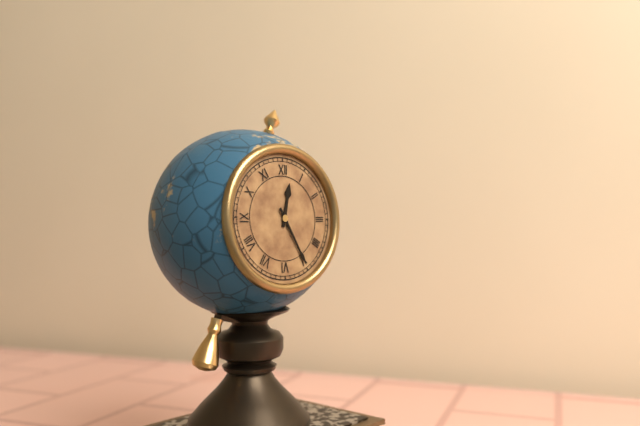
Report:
12h25
